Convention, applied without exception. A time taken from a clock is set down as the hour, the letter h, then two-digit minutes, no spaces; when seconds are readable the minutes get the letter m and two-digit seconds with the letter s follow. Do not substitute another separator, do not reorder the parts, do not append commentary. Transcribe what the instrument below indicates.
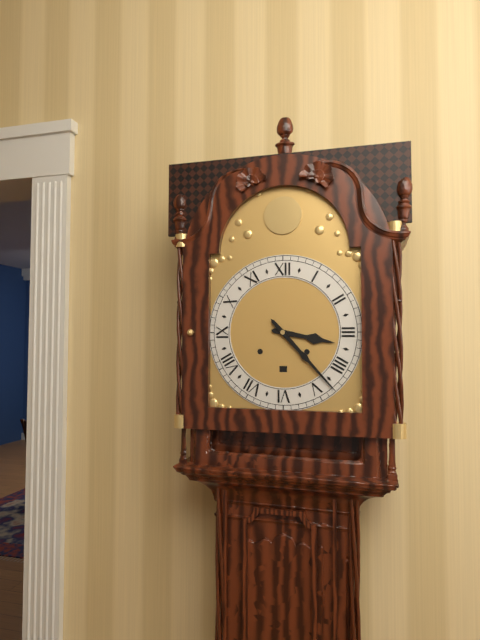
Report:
3h23
